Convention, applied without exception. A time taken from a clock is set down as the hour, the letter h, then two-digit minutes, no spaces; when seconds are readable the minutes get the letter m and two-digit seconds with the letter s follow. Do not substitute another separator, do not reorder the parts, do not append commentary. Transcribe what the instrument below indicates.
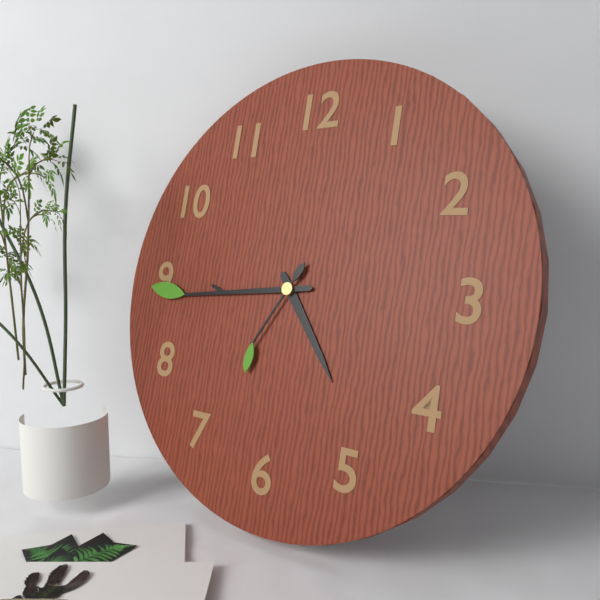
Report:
4h44m35s
